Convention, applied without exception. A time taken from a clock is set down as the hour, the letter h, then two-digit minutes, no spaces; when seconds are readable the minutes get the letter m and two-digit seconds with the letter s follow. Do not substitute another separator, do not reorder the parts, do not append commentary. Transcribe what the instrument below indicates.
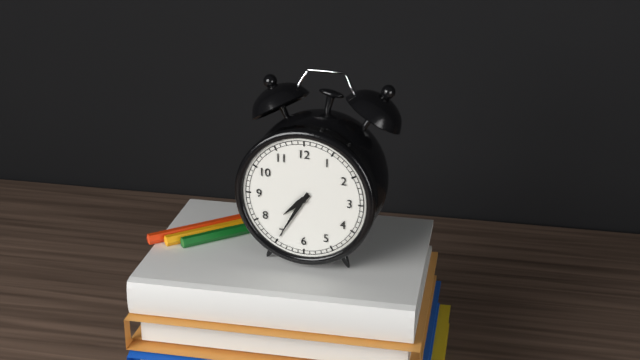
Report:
7h35
